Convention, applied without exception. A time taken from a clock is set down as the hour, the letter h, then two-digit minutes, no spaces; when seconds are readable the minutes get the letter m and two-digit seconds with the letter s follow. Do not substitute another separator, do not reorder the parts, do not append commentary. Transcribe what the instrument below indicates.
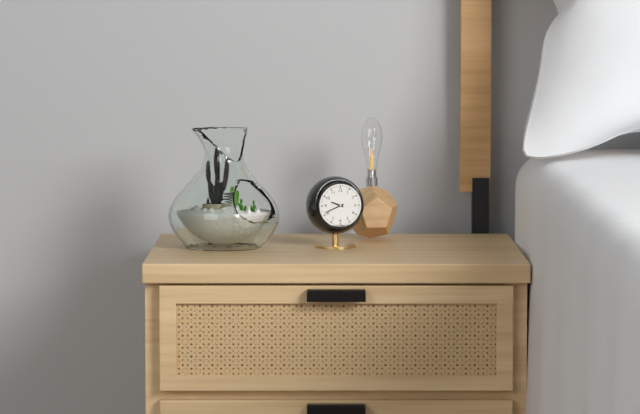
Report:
9h41
